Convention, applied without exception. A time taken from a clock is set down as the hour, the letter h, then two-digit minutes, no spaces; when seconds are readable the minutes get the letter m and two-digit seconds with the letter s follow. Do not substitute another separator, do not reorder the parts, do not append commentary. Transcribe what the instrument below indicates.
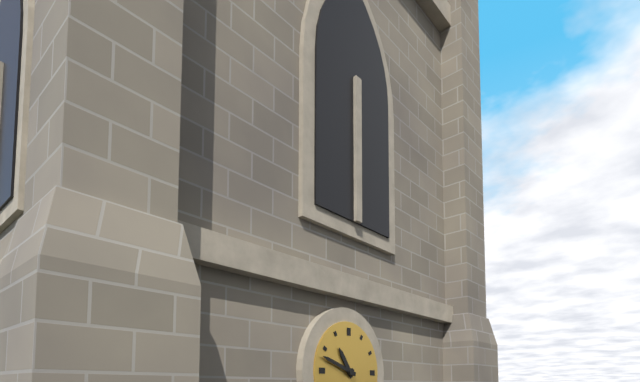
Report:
10h48
